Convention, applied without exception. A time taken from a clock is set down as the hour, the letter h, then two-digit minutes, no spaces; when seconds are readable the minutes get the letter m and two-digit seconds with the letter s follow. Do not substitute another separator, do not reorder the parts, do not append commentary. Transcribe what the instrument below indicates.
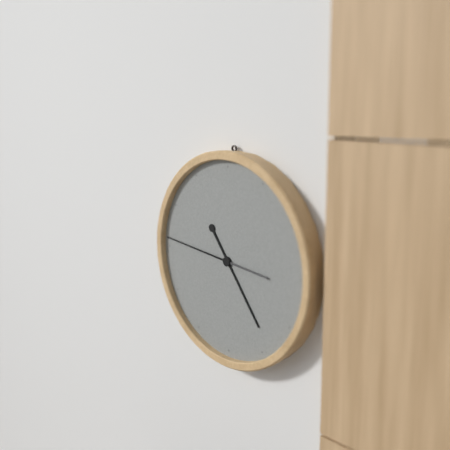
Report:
4h46
